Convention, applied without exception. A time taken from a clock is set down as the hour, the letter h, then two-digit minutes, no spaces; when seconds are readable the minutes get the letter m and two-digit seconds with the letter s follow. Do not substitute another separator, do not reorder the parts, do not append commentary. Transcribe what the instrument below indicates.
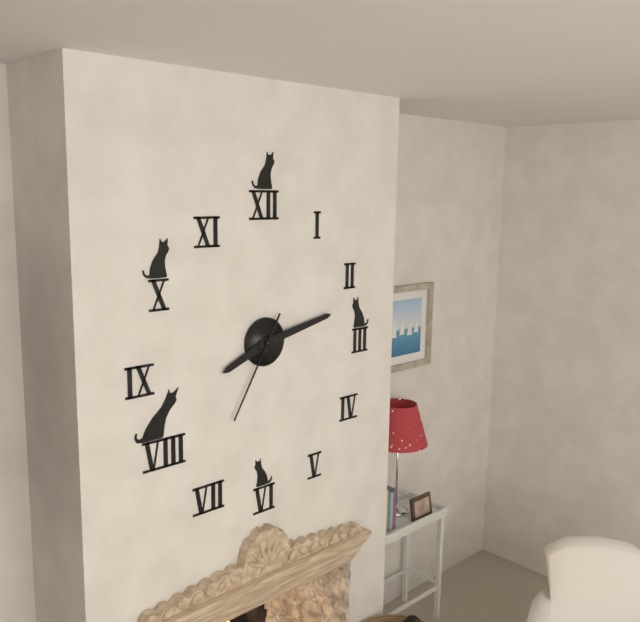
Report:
8h13m35s
